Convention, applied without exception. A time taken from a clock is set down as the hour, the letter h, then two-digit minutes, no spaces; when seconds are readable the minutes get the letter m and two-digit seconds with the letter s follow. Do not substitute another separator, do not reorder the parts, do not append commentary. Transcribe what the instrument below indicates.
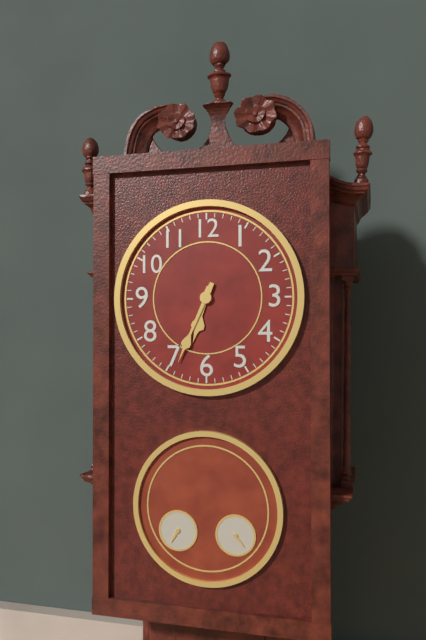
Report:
6h34
